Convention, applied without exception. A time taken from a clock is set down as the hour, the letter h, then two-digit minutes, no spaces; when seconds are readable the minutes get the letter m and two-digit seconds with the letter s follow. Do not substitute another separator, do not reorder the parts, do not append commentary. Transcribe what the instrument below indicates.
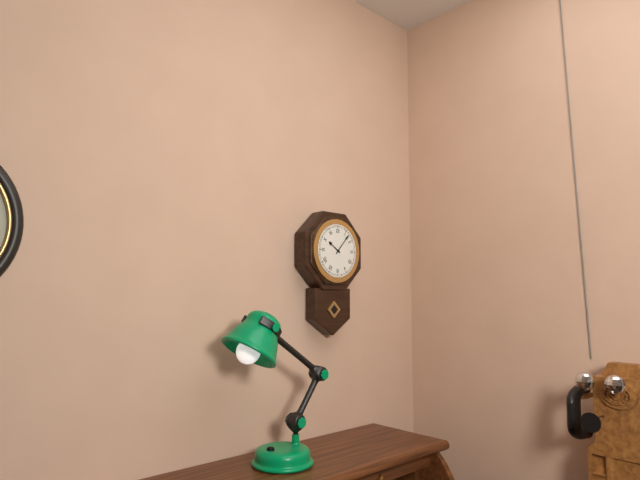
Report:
10h07
